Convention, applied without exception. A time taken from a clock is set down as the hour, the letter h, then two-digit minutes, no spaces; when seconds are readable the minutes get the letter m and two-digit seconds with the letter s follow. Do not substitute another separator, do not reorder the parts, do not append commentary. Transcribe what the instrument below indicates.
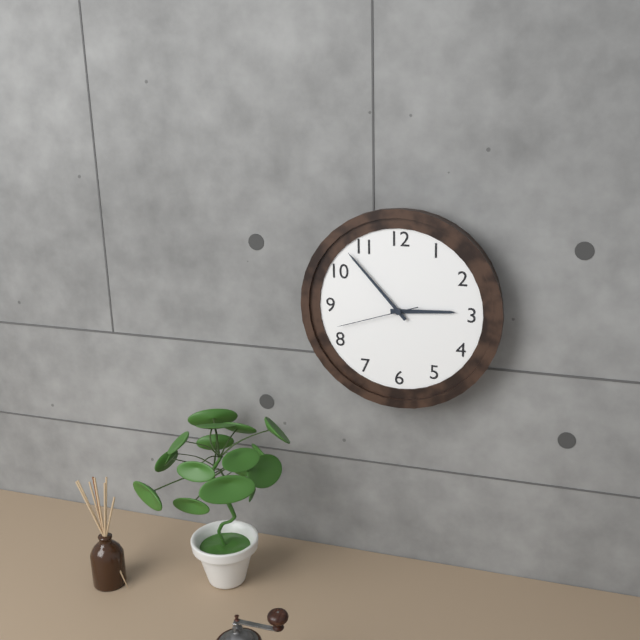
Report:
2h53m42s
